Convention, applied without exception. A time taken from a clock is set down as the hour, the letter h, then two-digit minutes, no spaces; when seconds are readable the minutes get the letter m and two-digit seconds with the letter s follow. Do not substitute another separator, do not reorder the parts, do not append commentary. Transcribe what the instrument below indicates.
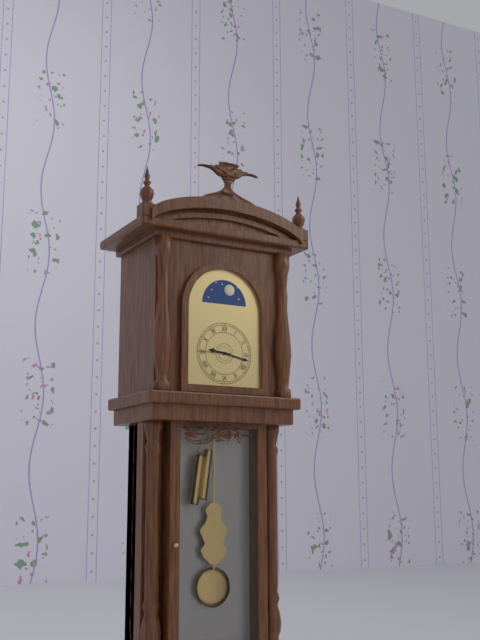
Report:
9h17
